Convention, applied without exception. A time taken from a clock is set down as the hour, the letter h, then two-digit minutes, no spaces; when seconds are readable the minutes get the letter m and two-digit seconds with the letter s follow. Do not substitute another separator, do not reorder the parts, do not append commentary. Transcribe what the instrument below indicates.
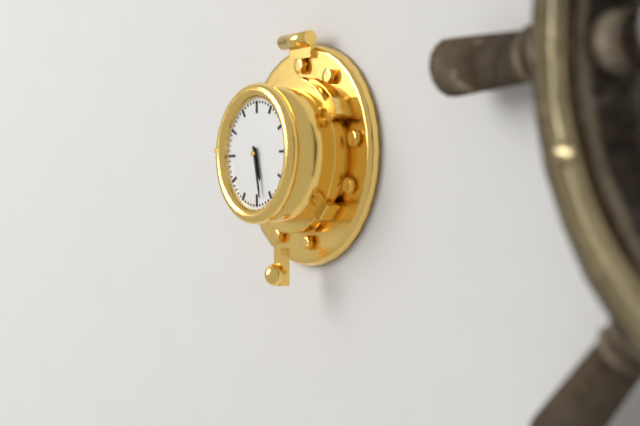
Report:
5h28
